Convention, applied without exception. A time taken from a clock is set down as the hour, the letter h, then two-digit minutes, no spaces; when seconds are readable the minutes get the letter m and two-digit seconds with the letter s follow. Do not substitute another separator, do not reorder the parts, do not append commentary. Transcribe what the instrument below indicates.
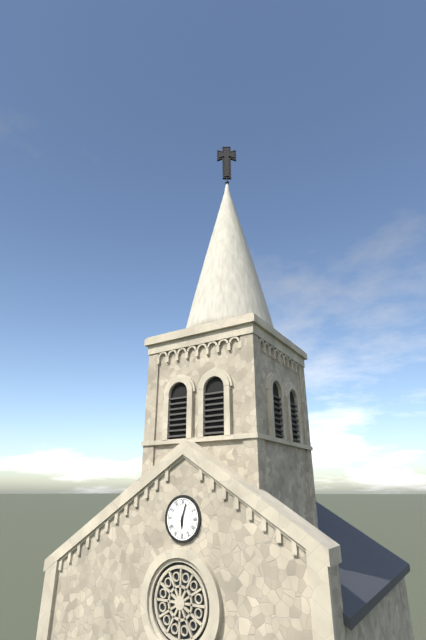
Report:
6h03
